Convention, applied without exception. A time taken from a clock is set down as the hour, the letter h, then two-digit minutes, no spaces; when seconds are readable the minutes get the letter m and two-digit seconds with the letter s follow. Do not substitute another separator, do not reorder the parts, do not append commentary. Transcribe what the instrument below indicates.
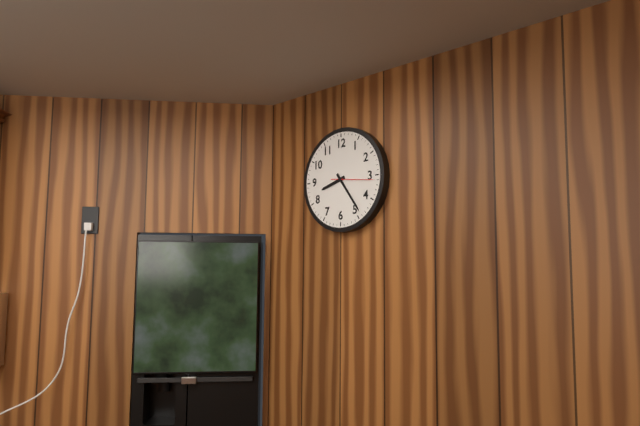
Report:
8h24
